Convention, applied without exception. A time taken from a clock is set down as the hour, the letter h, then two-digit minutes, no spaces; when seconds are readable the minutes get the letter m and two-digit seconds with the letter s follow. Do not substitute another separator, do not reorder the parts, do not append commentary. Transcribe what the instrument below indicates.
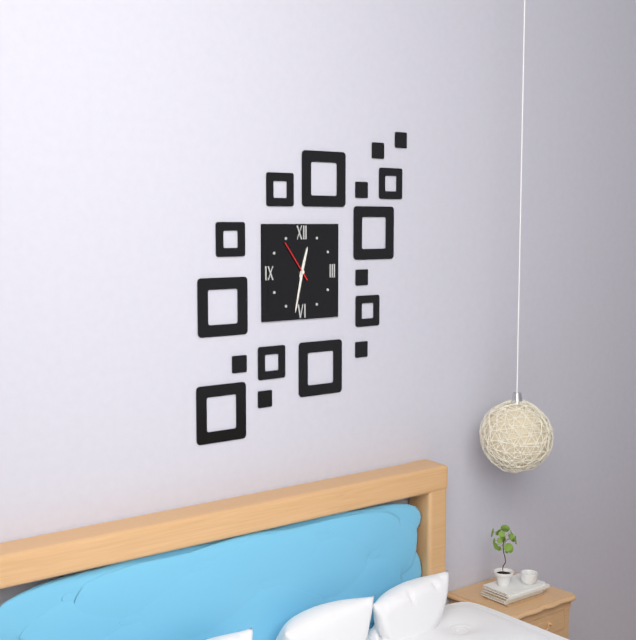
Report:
12h32
